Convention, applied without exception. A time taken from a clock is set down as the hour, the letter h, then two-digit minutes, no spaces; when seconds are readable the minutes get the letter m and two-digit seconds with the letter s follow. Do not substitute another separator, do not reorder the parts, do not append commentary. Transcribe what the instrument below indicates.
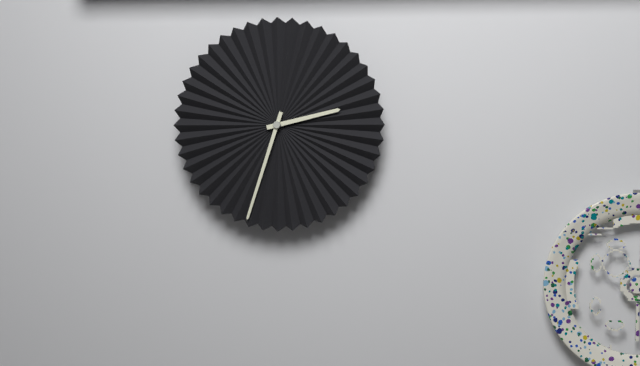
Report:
2h33
